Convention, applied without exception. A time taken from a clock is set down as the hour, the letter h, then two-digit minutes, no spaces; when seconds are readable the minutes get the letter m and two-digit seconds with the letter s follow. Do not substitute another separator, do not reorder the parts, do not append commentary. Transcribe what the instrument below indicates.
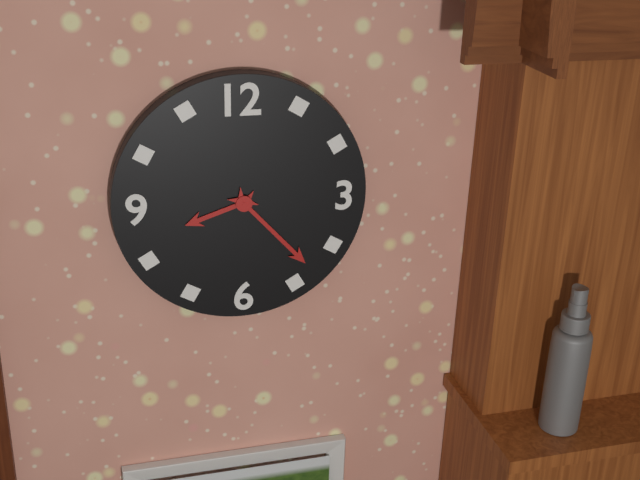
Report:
8h23
